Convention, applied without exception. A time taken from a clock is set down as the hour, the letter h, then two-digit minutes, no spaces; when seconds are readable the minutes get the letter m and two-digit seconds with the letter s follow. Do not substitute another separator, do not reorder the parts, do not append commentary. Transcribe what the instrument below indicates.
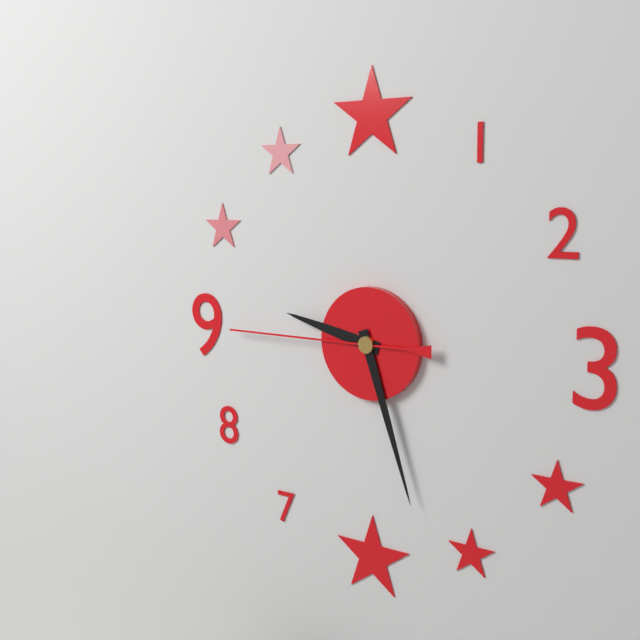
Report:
9h27m45s
